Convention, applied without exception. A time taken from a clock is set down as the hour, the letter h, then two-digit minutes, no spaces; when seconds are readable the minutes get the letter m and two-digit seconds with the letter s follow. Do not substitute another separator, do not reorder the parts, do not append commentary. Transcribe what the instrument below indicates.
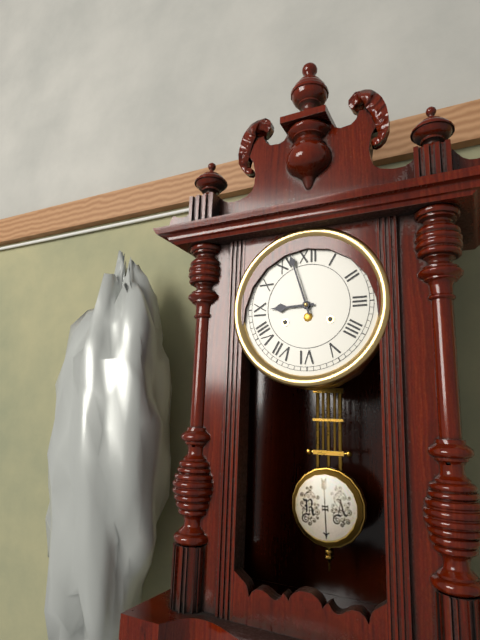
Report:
8h57
